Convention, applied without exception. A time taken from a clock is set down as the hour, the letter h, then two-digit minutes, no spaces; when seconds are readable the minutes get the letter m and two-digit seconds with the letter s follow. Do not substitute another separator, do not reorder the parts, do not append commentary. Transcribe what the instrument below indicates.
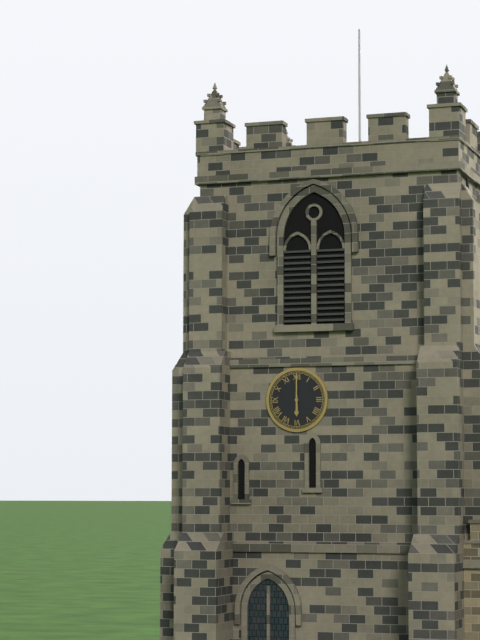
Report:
6h00
